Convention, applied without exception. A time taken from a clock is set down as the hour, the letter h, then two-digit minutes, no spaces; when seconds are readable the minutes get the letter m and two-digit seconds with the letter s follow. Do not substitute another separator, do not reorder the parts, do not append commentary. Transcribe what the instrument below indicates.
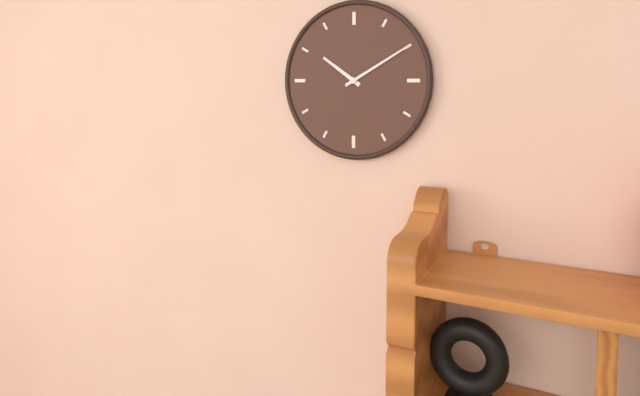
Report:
10h10
